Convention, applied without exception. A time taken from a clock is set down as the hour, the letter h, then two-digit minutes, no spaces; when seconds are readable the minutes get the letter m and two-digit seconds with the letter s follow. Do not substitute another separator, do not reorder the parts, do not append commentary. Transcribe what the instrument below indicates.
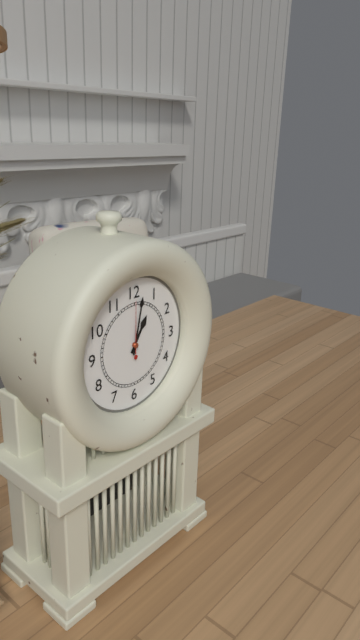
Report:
1h02m00s
